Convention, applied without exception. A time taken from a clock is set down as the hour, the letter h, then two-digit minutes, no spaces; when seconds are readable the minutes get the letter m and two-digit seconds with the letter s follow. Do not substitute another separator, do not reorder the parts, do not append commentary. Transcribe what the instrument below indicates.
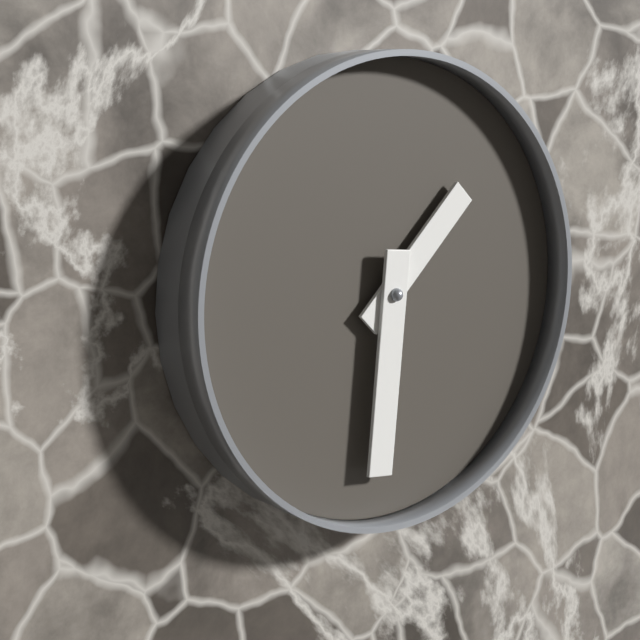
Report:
1h31
